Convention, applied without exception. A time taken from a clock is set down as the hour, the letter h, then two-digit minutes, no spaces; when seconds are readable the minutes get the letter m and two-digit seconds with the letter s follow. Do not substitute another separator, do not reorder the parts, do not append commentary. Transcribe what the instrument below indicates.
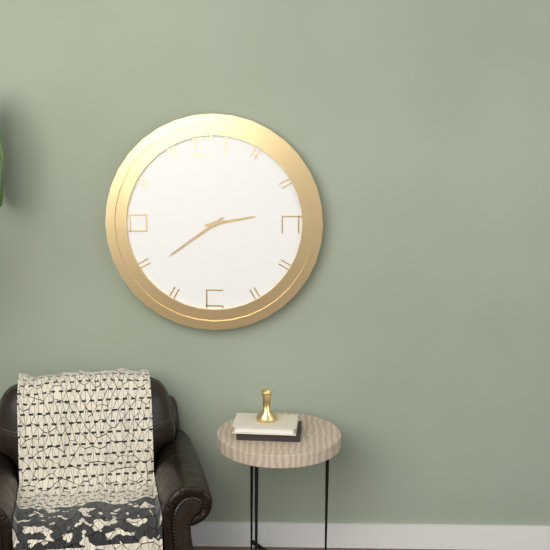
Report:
2h39
